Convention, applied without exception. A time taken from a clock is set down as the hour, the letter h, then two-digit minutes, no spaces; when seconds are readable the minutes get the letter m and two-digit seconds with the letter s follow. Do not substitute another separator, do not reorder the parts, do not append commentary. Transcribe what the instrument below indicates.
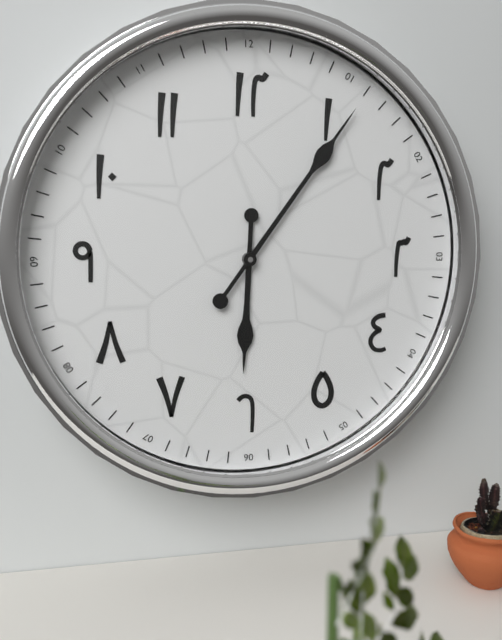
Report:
6h06
